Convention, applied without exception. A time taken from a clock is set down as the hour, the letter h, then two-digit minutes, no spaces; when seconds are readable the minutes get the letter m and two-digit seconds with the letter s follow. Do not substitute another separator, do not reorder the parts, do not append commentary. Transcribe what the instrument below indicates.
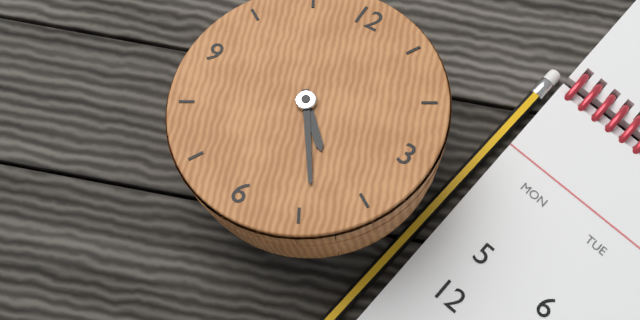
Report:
4h24
